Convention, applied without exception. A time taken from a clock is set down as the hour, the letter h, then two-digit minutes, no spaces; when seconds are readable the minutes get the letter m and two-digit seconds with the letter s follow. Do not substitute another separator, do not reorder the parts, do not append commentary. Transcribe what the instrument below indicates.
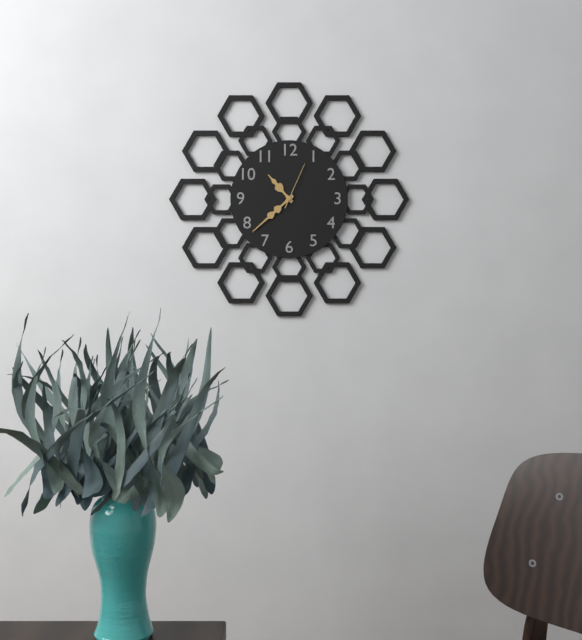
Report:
10h38
